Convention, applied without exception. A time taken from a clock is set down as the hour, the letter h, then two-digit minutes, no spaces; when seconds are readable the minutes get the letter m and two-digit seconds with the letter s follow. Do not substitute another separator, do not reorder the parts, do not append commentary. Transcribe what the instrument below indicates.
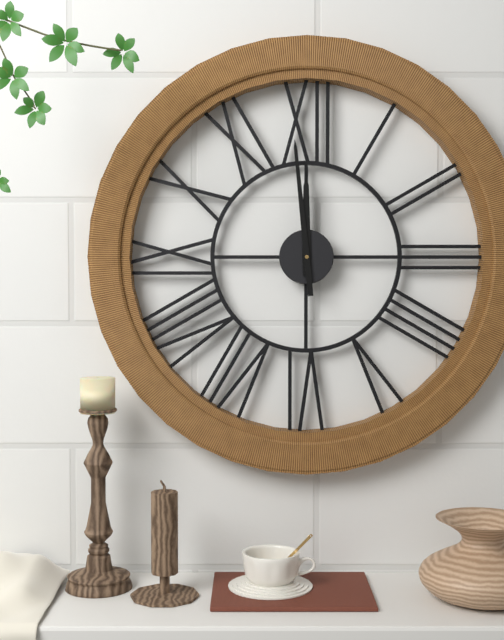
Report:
11h59
